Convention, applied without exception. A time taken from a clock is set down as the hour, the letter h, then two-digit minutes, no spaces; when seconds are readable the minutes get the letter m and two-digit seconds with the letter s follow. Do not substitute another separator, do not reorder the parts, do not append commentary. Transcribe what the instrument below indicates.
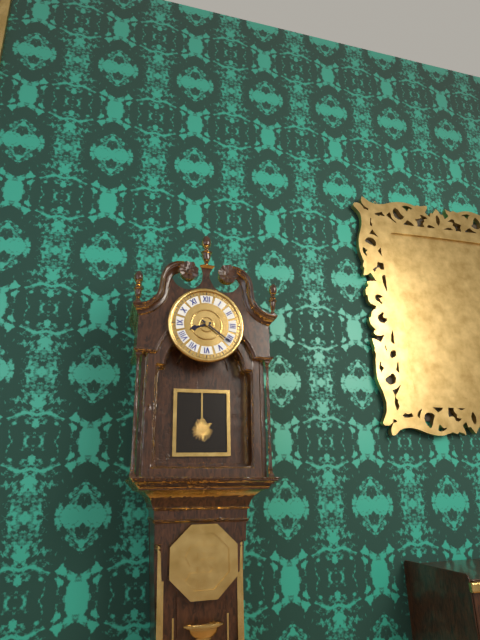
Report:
8h21
